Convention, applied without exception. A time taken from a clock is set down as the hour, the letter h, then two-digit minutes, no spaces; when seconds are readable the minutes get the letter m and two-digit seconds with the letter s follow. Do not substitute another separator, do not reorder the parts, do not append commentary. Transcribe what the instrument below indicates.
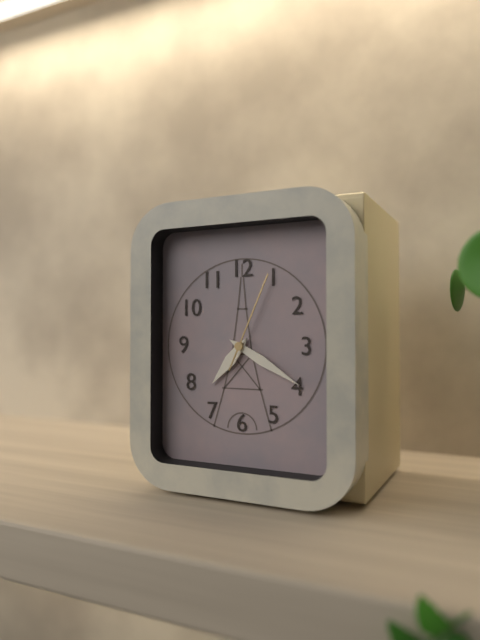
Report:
7h20m04s
